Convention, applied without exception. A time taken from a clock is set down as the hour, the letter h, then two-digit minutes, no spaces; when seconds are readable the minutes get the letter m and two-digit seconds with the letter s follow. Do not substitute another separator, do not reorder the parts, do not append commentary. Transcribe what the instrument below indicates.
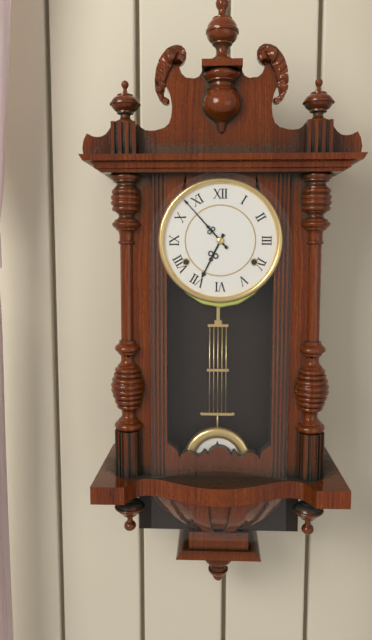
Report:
6h53
